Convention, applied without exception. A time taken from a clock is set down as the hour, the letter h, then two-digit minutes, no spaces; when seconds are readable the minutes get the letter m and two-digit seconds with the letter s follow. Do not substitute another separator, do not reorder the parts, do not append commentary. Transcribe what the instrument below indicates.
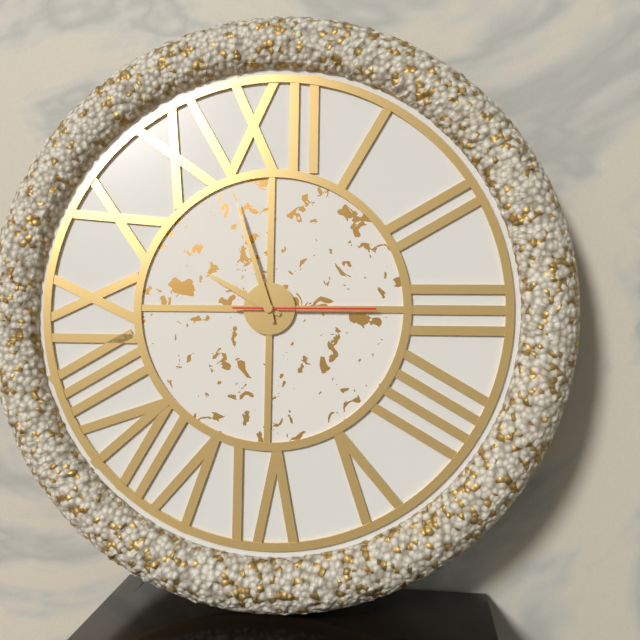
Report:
9h57m15s
